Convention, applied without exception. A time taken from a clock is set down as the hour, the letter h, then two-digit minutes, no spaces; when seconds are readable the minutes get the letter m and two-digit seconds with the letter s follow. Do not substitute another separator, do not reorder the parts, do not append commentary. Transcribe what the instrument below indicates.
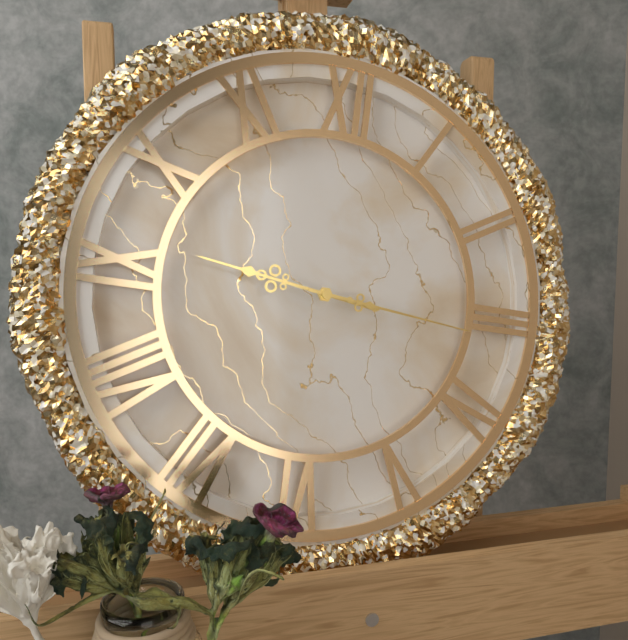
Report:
9h16
